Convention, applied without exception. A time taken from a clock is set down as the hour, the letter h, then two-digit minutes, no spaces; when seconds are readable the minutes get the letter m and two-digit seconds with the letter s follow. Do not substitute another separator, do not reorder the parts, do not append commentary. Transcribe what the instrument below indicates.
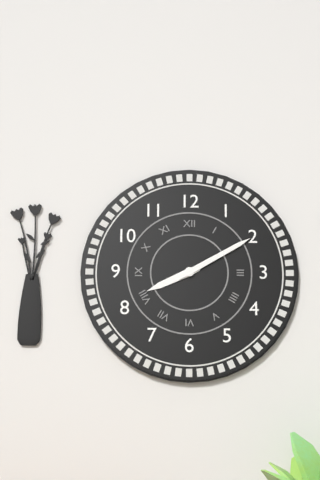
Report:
8h10
